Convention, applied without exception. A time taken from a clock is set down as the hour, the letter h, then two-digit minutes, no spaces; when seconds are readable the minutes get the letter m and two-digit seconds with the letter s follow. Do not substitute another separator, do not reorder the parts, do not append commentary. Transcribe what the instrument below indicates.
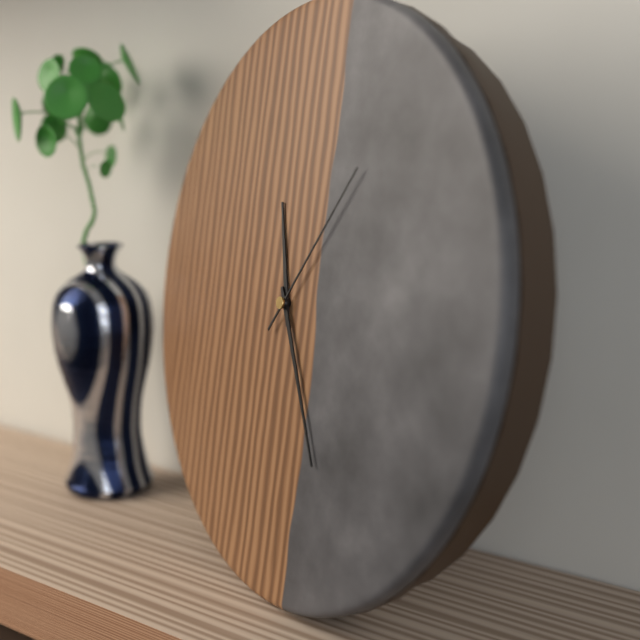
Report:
11h25m06s
